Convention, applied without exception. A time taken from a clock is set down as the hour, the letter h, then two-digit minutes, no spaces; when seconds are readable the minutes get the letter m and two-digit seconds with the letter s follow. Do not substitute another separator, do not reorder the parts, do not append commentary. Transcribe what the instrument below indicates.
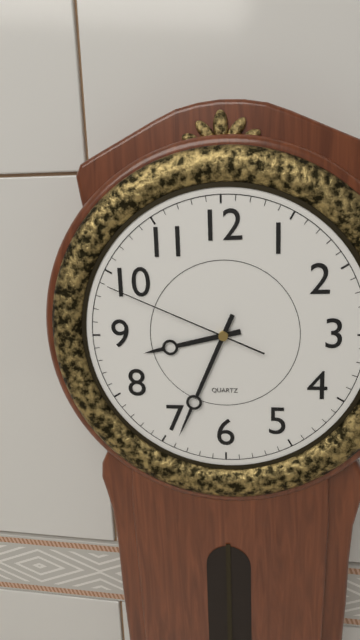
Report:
8h34m49s
